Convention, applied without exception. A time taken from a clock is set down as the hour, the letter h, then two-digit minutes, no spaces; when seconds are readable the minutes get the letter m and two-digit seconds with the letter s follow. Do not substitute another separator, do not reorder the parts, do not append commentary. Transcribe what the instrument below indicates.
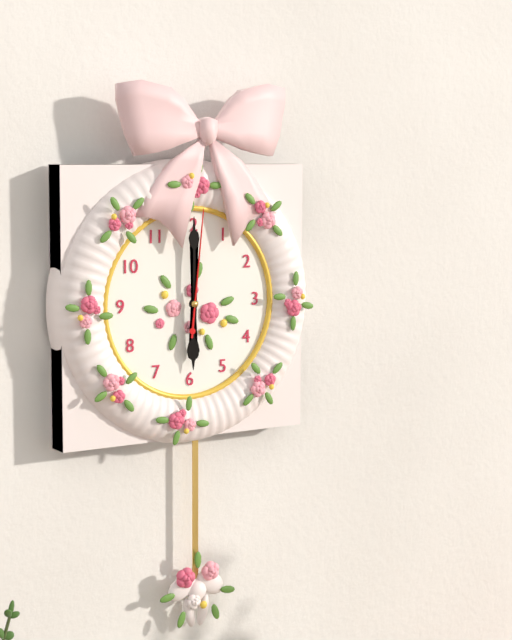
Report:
6h00m01s
